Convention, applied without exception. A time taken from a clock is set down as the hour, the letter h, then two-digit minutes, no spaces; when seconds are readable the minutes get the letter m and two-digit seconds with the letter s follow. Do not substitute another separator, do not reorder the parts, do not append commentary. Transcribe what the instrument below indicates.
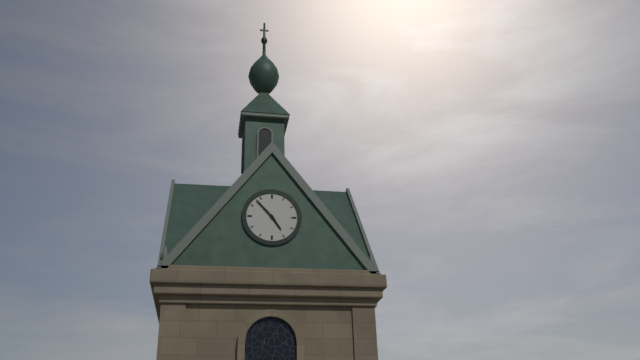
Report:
4h53
